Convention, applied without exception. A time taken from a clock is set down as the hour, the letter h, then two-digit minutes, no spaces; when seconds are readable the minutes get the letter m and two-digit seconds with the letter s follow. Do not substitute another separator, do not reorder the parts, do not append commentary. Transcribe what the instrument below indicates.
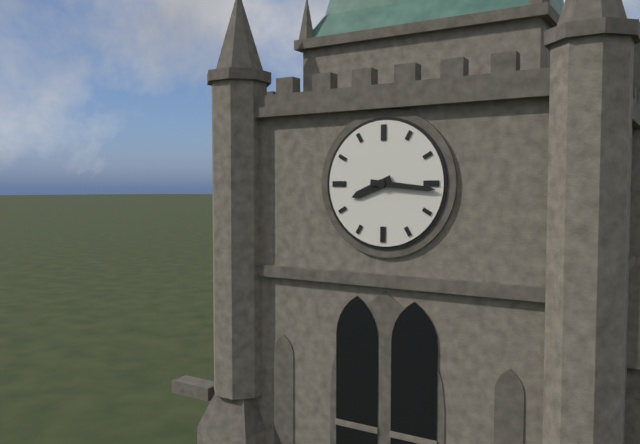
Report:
8h16
